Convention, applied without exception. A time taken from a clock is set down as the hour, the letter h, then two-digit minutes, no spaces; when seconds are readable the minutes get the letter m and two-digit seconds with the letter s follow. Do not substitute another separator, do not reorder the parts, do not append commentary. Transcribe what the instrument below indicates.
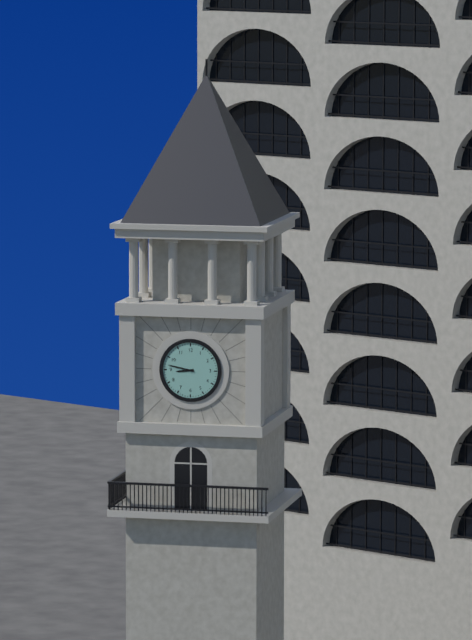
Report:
8h47
